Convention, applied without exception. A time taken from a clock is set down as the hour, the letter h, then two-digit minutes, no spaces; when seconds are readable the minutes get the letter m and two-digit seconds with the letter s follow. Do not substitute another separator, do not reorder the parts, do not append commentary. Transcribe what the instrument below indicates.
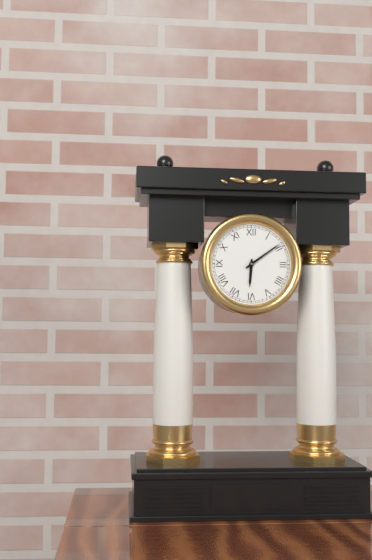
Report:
6h09
